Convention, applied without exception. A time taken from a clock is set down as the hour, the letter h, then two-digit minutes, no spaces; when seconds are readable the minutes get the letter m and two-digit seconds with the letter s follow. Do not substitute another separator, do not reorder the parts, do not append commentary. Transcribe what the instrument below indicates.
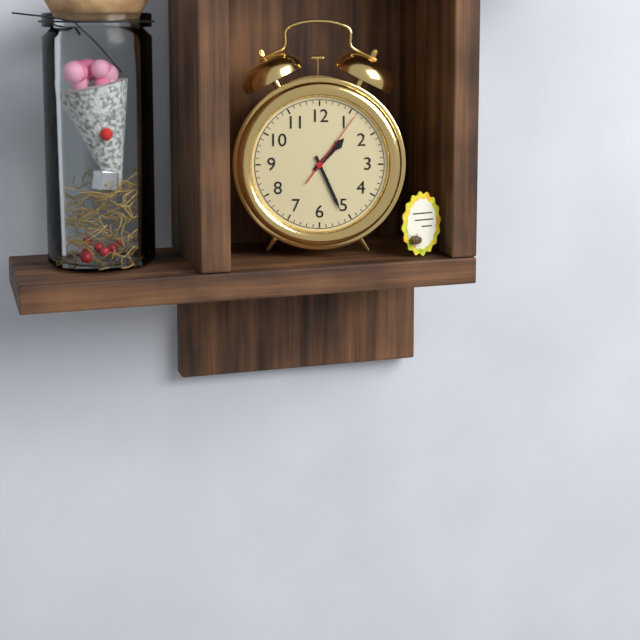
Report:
1h26m06s
